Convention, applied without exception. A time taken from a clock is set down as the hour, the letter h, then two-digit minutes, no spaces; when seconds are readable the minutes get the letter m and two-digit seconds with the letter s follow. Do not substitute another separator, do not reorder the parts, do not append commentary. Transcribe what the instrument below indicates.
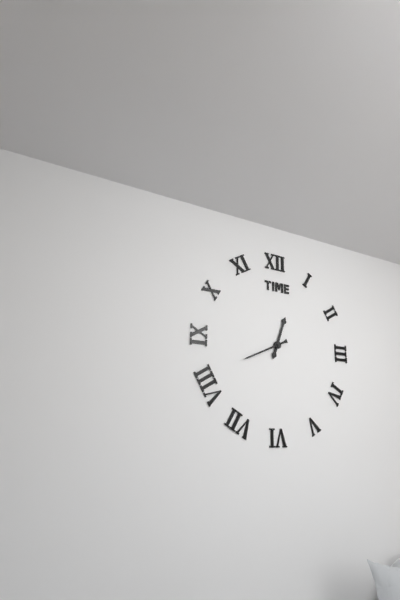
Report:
12h41
